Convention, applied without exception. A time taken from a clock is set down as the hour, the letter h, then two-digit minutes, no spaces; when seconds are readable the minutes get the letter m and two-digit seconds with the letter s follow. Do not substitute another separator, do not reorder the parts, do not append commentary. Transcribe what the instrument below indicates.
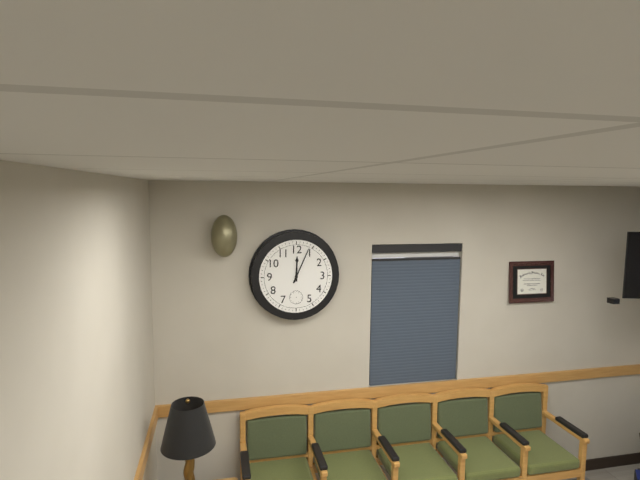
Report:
12h04
